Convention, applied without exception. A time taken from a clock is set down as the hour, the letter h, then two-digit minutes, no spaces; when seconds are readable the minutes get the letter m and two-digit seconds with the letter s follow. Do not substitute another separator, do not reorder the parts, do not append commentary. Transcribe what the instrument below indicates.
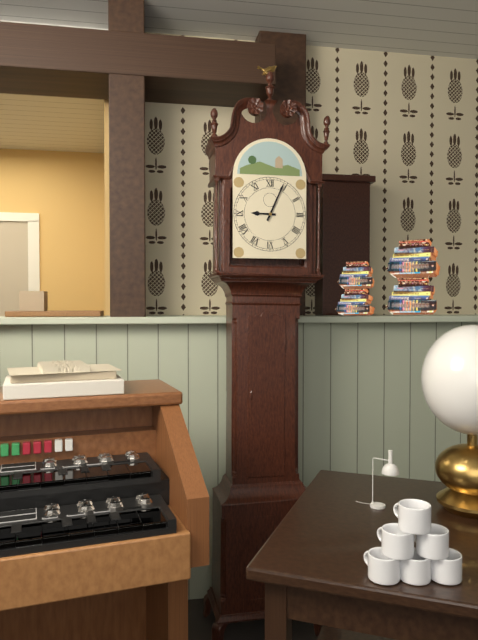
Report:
9h04
